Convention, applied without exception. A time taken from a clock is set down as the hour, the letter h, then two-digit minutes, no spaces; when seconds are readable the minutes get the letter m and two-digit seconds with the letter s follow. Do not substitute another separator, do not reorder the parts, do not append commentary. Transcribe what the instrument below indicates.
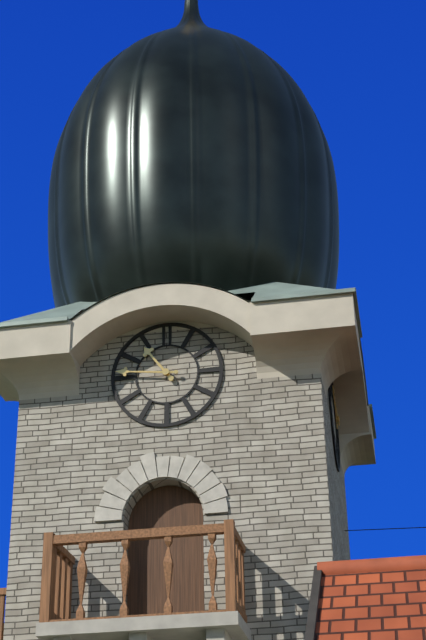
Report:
10h46
